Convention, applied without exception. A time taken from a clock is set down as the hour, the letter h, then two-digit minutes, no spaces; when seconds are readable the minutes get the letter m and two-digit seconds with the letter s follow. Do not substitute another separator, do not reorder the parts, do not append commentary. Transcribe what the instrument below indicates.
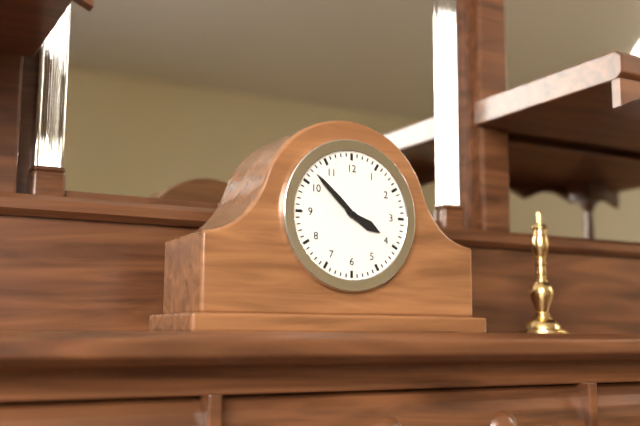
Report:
3h52
